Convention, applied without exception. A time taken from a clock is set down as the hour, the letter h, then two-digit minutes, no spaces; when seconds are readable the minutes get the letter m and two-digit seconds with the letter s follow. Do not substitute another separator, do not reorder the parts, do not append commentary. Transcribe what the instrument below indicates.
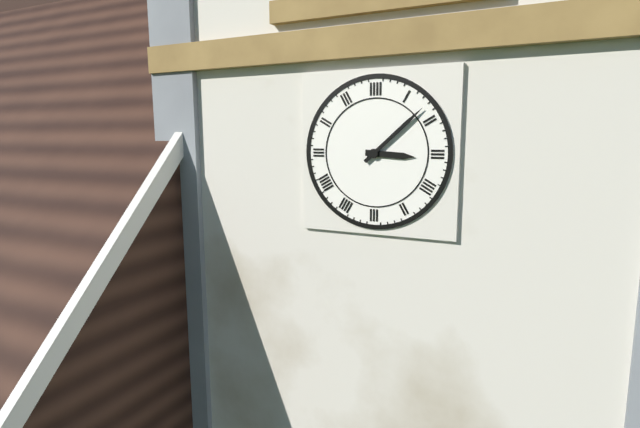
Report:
3h08
